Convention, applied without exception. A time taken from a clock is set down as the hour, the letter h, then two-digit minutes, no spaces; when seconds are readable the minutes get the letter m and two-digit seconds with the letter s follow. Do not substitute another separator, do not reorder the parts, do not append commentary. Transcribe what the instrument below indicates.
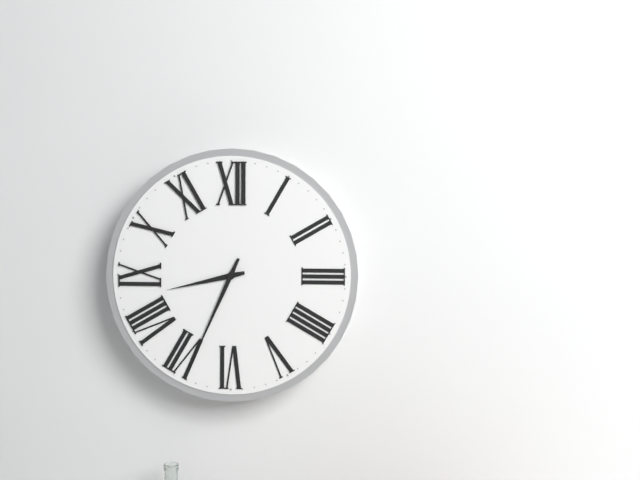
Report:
8h34
